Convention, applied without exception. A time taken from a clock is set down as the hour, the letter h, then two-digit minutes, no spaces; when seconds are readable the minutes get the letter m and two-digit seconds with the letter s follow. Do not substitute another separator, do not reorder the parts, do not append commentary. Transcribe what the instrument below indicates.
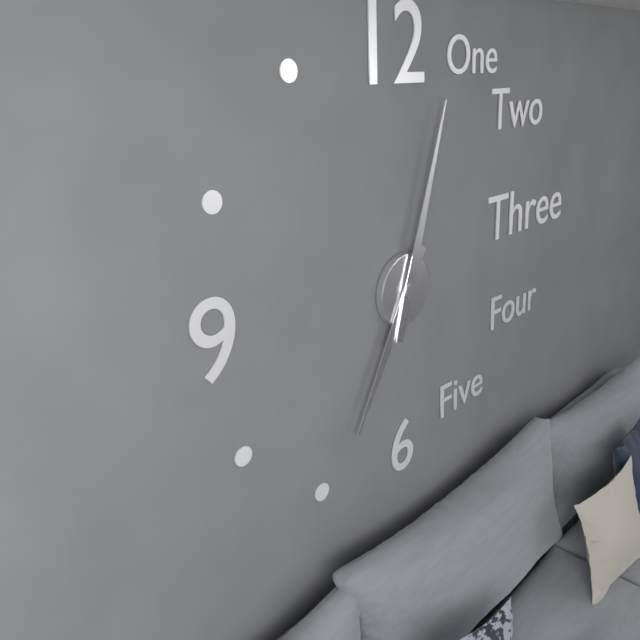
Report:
7h03
